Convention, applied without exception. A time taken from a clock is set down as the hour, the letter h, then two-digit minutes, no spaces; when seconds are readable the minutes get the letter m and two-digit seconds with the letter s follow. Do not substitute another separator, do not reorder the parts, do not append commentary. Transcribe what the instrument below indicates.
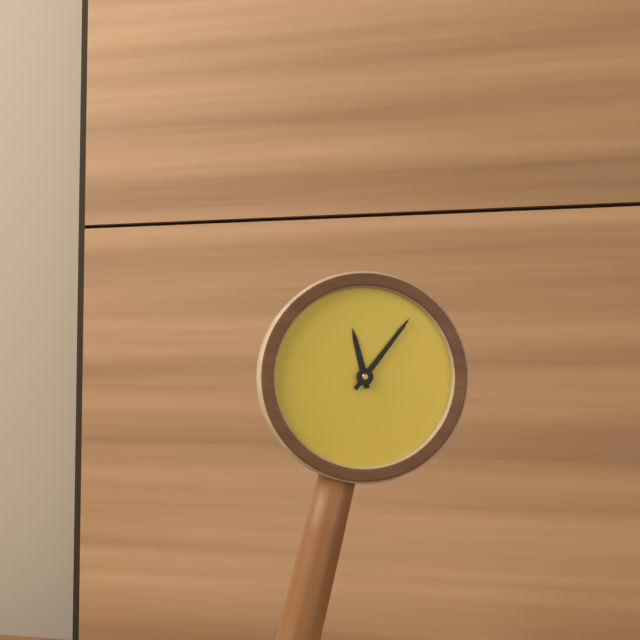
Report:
11h04
